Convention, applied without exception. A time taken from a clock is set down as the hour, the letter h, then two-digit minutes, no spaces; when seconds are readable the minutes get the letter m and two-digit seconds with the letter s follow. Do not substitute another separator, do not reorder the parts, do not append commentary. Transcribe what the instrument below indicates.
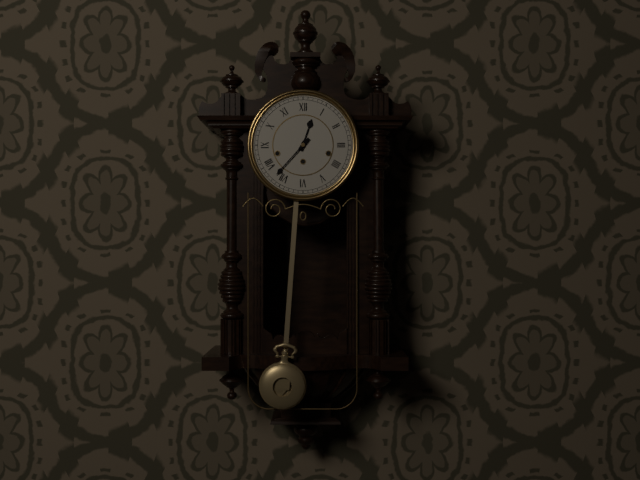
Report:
12h37
